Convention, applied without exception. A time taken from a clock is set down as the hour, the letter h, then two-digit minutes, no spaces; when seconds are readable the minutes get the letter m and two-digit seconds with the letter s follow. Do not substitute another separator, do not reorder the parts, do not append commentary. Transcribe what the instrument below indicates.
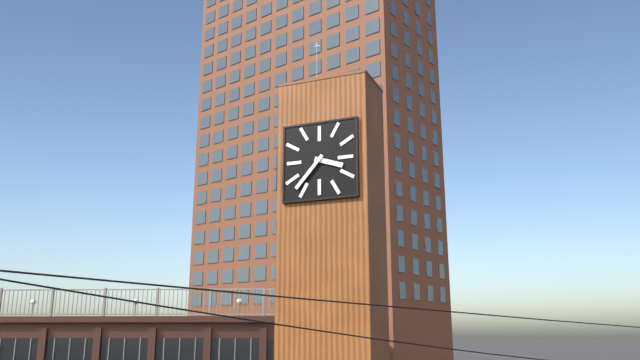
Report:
3h37
